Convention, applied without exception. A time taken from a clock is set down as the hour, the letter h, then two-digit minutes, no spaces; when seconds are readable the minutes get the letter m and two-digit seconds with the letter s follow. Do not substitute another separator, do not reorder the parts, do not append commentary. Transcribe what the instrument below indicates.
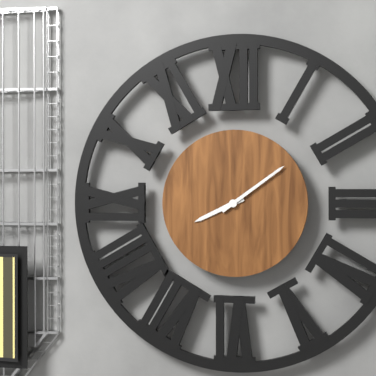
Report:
8h09
